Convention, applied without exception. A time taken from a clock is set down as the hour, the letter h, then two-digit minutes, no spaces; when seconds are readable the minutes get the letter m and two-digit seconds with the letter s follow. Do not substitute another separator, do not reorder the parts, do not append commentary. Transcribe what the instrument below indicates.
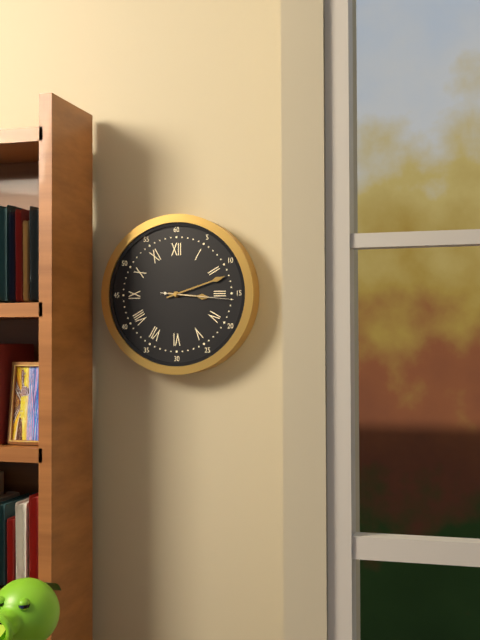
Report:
3h12m16s
